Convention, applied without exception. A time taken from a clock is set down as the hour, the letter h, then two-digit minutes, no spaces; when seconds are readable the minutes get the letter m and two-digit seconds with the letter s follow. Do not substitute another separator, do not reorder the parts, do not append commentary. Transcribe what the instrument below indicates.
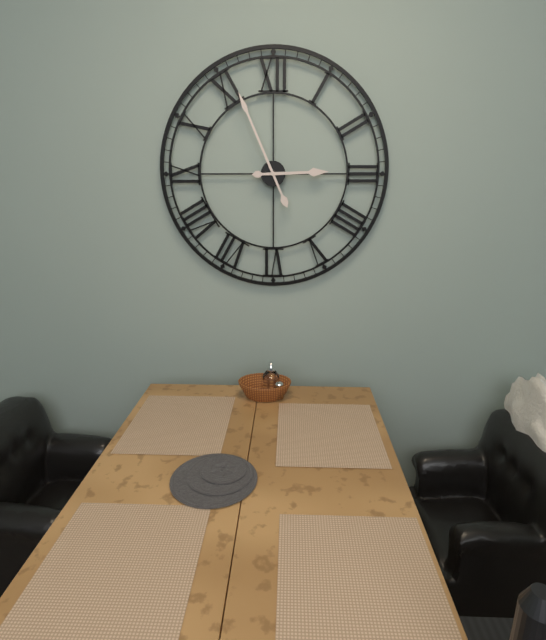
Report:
2h56
